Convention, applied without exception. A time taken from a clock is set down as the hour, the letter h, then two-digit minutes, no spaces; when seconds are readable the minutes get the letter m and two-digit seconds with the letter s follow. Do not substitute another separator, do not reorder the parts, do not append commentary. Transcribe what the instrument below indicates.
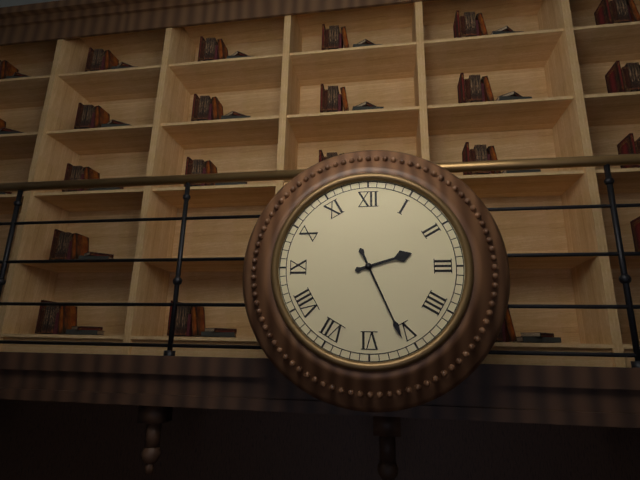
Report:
2h26
